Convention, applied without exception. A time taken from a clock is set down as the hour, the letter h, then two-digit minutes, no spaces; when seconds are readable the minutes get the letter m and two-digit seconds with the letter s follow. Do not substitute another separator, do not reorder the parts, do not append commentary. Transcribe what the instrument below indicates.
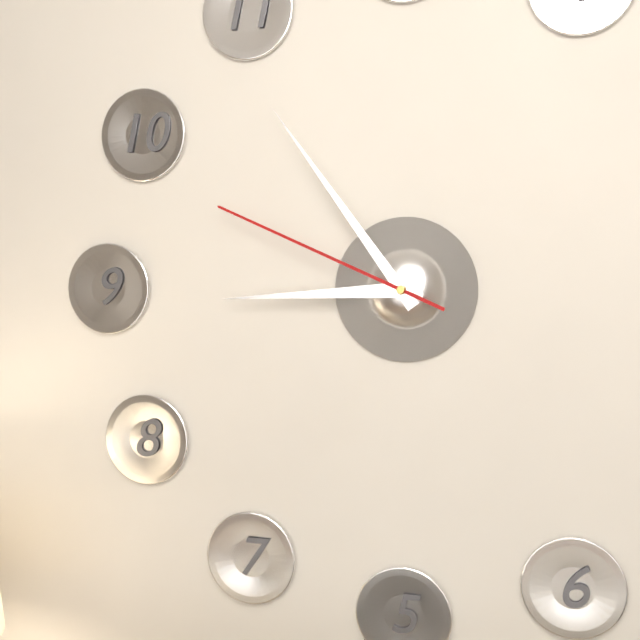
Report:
8h54m49s
